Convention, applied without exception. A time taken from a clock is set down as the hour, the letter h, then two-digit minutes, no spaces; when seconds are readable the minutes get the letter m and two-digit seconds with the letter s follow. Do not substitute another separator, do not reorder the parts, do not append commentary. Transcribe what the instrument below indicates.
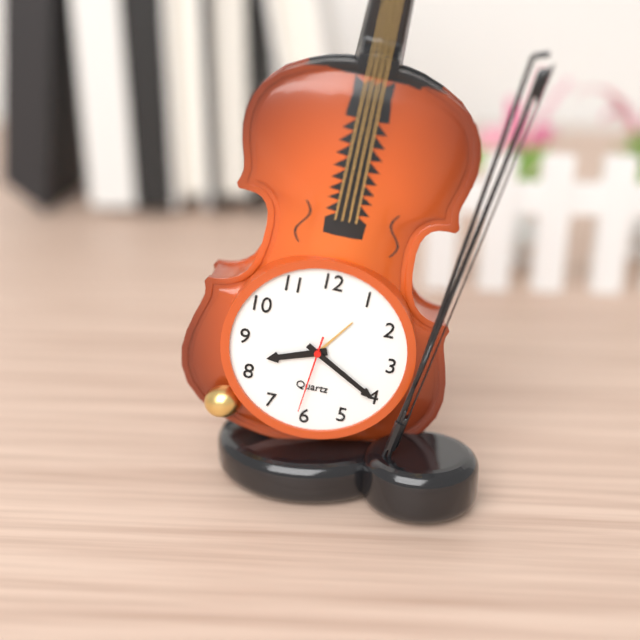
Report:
8h20m31s
